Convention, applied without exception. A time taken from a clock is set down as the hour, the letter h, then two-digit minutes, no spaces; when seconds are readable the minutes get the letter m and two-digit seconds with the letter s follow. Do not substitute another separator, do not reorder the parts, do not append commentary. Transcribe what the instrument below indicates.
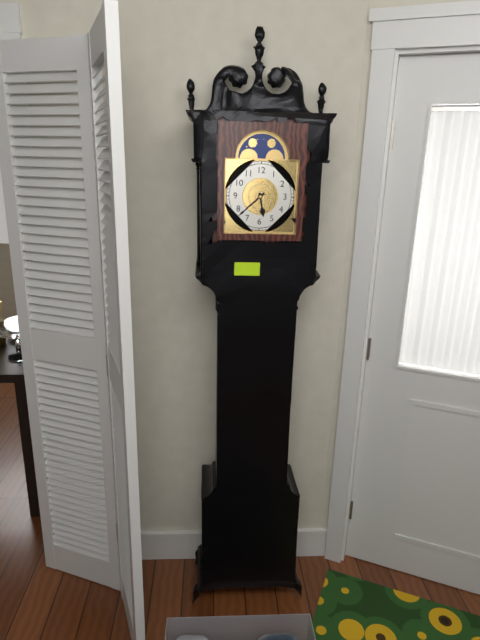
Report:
5h38
